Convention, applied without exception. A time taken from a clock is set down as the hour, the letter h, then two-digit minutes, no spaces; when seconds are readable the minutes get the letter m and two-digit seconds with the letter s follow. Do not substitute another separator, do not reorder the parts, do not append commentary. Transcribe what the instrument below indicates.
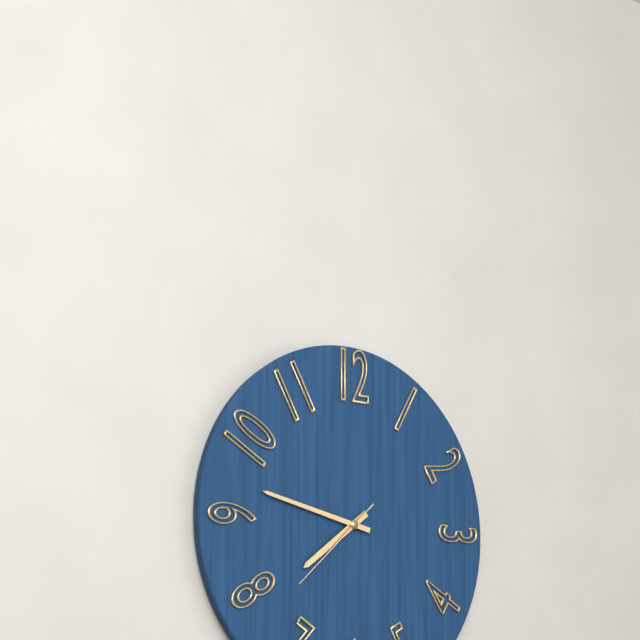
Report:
7h47m38s
